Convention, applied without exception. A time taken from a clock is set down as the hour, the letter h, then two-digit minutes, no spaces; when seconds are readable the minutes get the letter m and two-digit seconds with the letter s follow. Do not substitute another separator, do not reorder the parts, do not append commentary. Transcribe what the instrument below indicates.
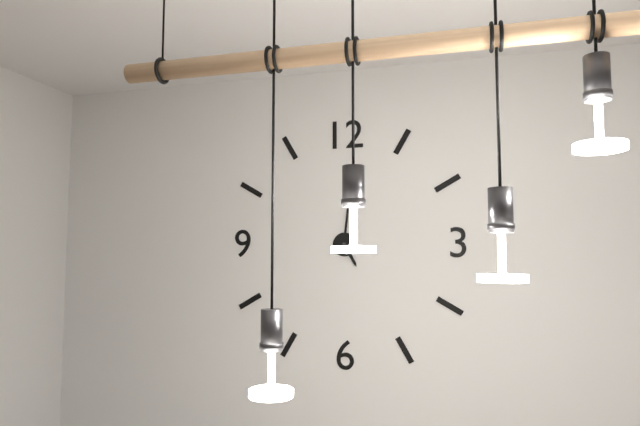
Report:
5h01
